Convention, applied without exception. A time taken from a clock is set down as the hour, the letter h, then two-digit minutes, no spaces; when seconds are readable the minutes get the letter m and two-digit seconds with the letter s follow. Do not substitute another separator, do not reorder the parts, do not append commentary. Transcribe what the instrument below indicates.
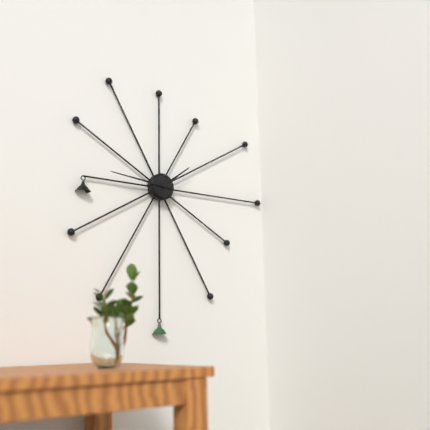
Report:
1h46
